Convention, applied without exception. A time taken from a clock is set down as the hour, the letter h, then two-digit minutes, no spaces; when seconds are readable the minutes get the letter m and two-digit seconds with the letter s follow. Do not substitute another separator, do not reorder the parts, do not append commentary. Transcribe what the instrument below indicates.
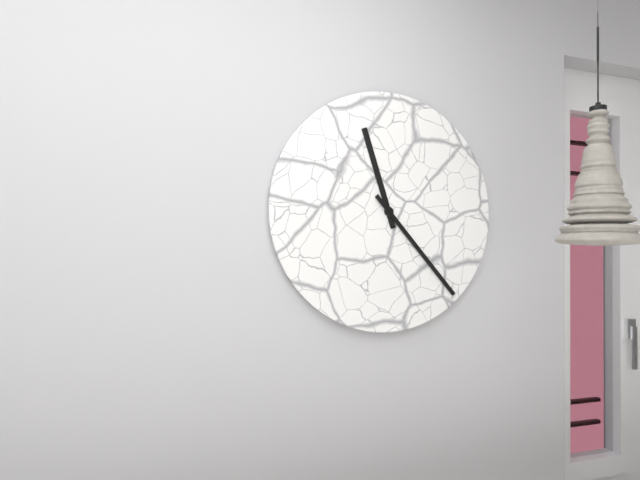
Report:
11h23
